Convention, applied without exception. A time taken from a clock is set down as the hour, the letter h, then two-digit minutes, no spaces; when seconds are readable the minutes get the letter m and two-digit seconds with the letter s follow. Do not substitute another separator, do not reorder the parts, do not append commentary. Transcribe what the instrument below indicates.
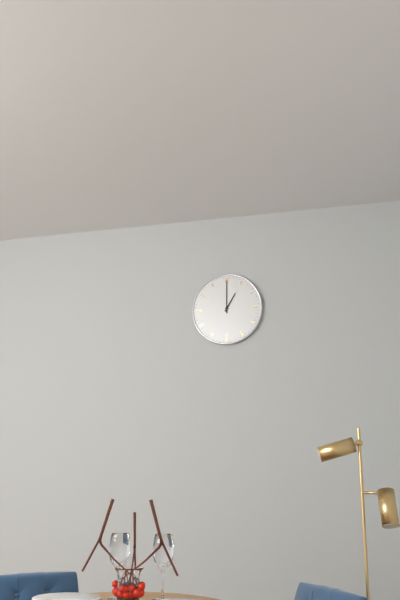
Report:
1h00
